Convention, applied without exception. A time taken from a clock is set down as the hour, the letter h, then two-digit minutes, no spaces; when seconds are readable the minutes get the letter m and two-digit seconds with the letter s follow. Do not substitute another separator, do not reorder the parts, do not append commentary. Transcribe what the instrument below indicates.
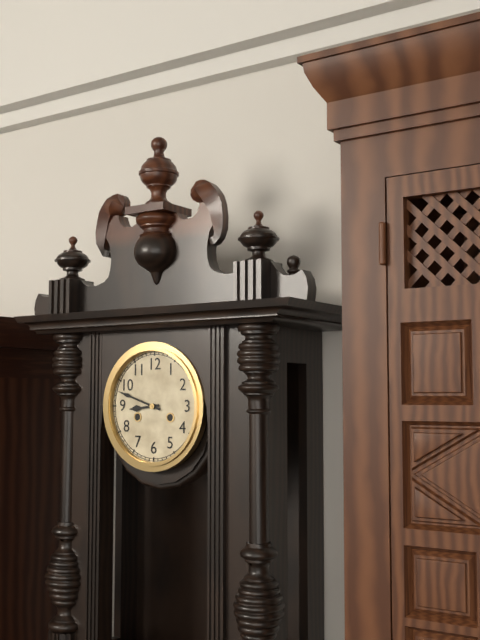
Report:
8h48
